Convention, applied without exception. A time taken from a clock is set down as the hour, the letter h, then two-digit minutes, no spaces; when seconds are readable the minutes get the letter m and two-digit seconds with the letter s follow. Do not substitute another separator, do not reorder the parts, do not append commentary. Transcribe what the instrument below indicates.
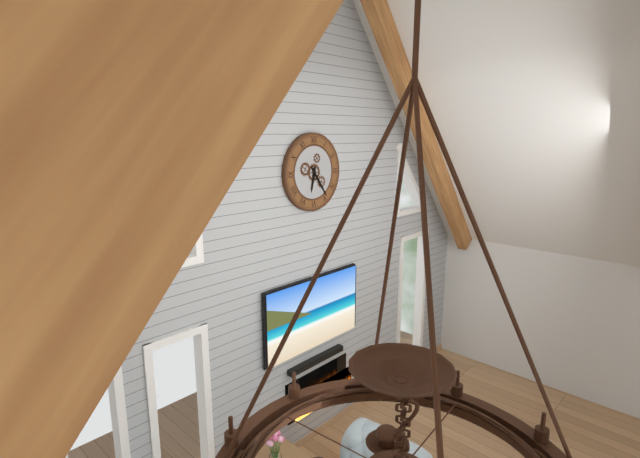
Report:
6h24
